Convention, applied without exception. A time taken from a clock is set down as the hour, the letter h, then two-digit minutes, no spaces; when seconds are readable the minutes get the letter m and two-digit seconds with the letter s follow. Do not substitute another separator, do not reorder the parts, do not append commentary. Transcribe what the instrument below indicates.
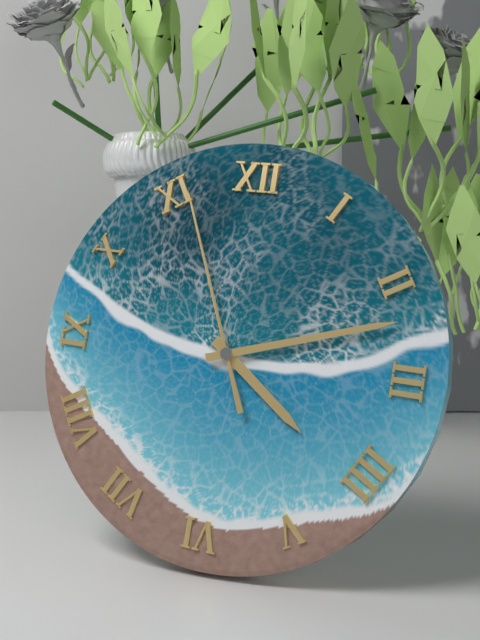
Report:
4h12m56s
